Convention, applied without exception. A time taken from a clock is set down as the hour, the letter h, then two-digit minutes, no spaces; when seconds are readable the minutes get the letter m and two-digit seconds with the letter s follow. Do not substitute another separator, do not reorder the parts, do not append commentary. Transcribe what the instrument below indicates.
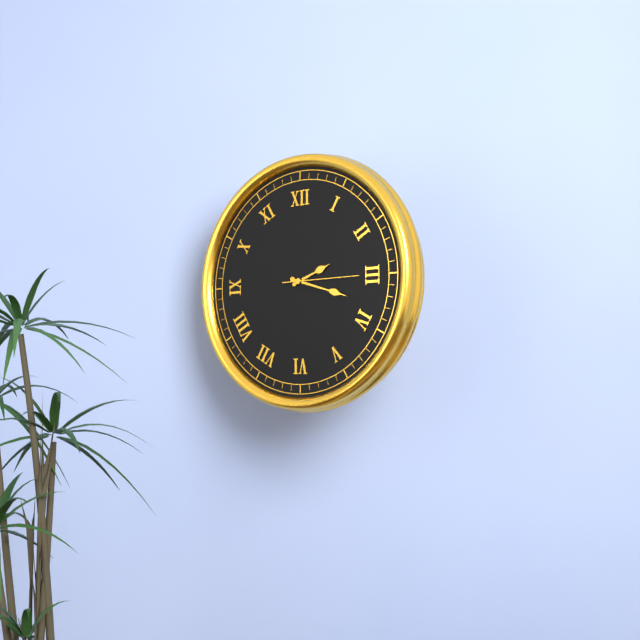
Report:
2h18m15s
